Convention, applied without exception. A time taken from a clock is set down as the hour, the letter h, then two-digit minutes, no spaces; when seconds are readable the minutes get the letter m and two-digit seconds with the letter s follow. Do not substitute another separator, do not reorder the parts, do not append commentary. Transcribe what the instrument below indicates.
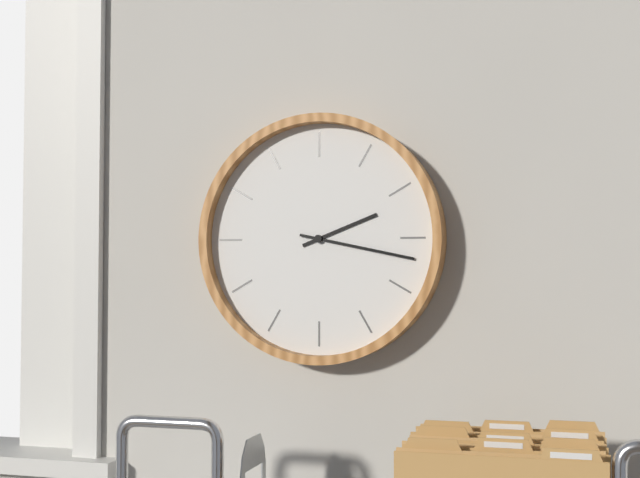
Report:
2h17
